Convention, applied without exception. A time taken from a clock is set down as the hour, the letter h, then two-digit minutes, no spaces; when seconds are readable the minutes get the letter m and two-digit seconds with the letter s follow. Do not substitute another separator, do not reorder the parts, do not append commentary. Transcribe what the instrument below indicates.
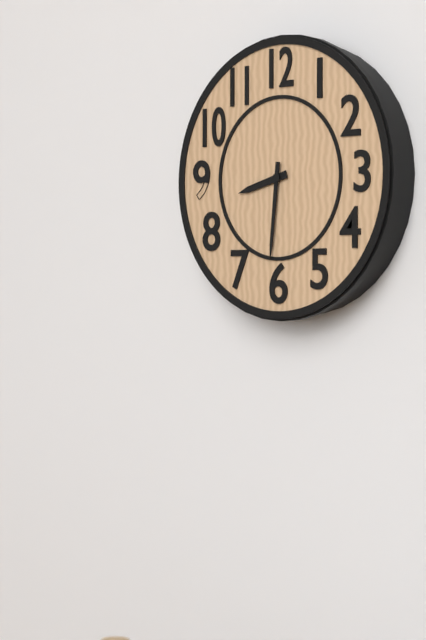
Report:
8h31
